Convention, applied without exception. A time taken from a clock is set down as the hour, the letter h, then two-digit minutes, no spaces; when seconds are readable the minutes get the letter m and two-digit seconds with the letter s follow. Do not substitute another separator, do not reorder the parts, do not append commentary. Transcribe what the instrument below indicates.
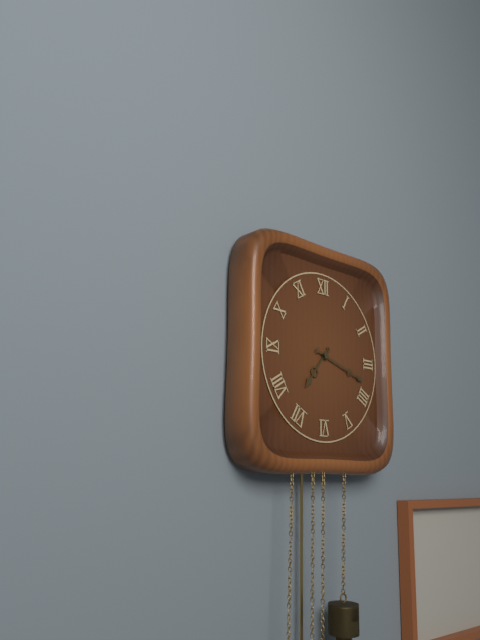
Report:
7h18
